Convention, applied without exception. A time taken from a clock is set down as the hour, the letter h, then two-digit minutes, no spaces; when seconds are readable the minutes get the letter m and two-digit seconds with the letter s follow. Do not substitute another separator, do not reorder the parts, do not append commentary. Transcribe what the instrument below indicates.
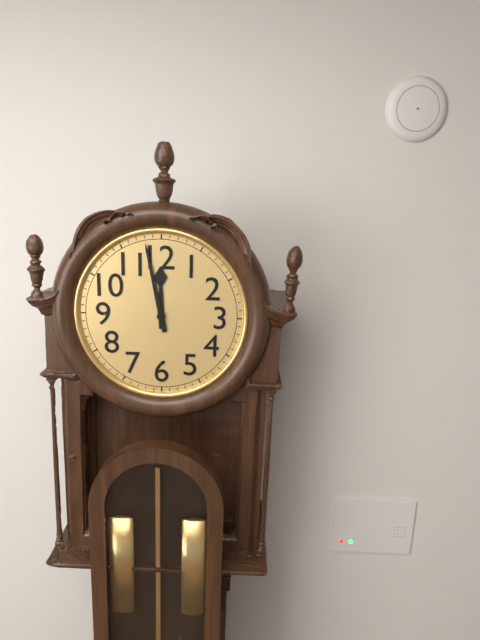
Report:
11h58
